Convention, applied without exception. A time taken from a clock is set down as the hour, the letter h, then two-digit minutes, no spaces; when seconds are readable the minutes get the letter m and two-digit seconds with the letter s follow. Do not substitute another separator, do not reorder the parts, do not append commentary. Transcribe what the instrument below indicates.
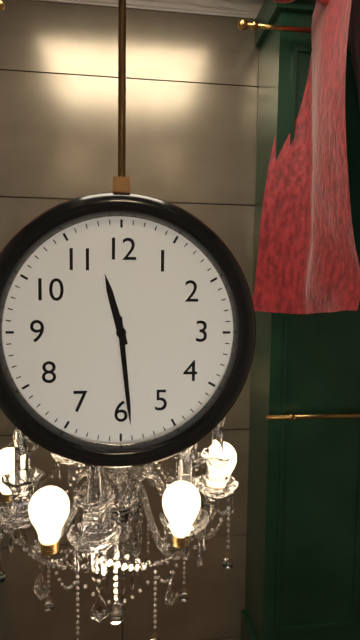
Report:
11h29
